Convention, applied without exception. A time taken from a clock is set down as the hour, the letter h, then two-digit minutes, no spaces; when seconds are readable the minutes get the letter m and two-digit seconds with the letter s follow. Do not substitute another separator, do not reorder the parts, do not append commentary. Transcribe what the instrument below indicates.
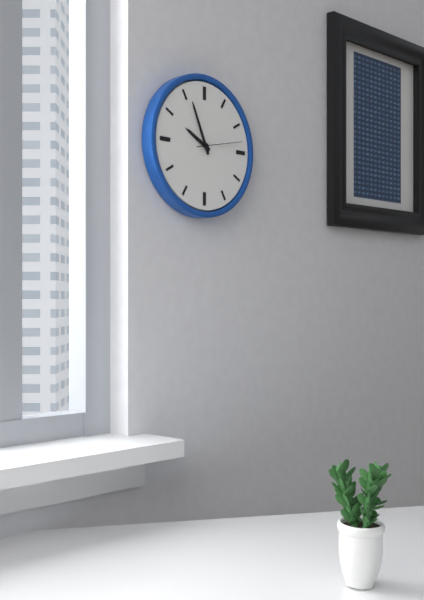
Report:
9h56m13s
